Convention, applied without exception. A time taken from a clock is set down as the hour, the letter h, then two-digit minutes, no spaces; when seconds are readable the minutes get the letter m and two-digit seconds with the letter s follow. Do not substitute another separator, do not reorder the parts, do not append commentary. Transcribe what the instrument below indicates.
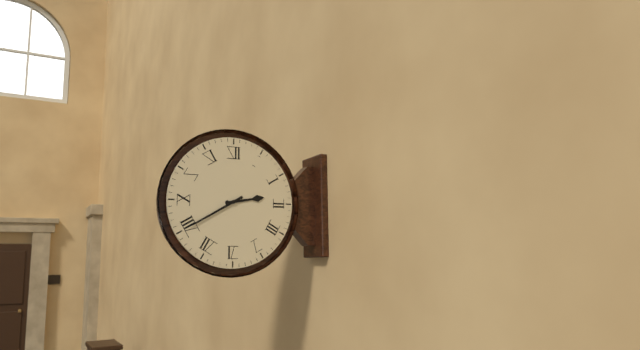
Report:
2h40
